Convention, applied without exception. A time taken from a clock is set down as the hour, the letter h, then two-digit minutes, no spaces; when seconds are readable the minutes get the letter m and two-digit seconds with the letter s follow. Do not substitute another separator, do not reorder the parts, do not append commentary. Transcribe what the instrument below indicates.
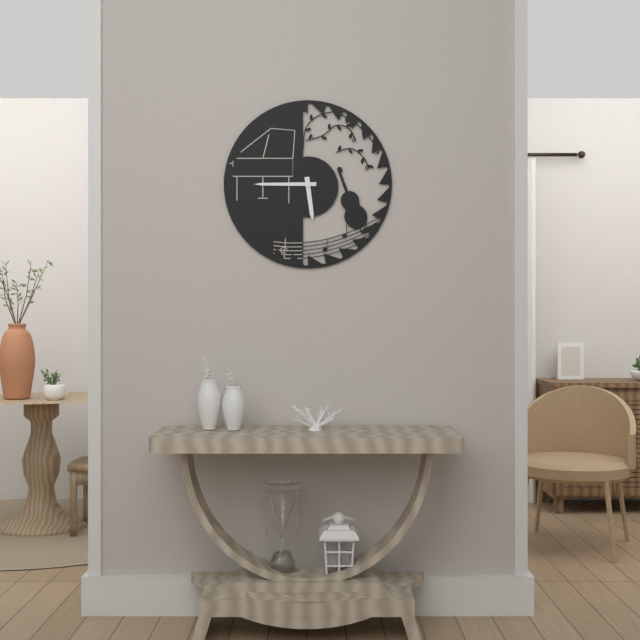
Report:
5h45
